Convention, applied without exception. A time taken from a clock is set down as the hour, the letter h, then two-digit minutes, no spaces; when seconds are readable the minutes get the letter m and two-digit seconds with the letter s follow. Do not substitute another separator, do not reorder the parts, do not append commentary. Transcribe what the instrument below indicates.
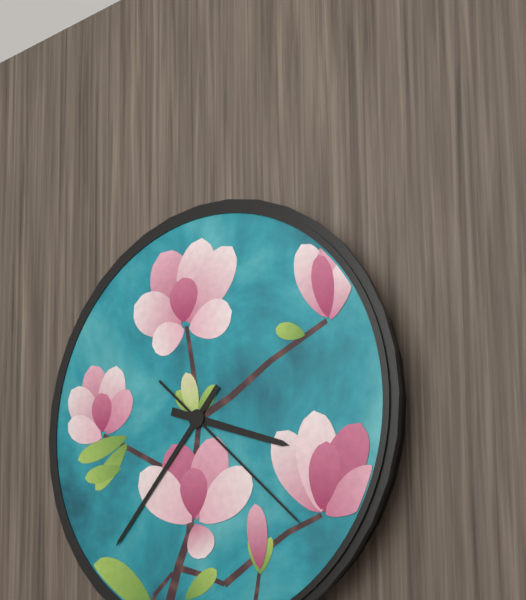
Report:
3h37m22s
